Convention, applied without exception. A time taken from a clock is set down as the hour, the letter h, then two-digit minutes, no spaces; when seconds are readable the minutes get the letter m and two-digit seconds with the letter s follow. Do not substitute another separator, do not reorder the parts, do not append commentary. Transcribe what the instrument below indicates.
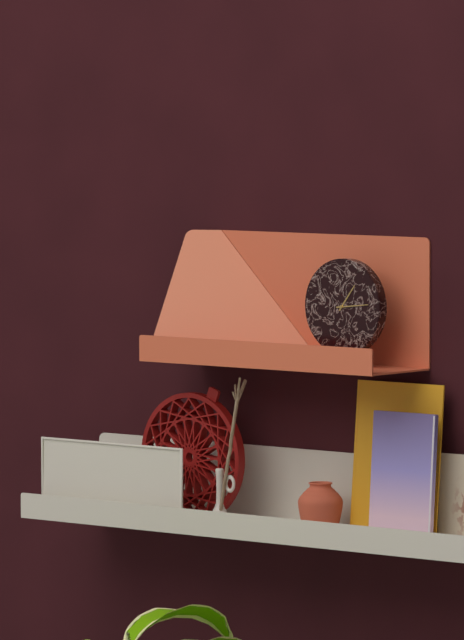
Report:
1h14
